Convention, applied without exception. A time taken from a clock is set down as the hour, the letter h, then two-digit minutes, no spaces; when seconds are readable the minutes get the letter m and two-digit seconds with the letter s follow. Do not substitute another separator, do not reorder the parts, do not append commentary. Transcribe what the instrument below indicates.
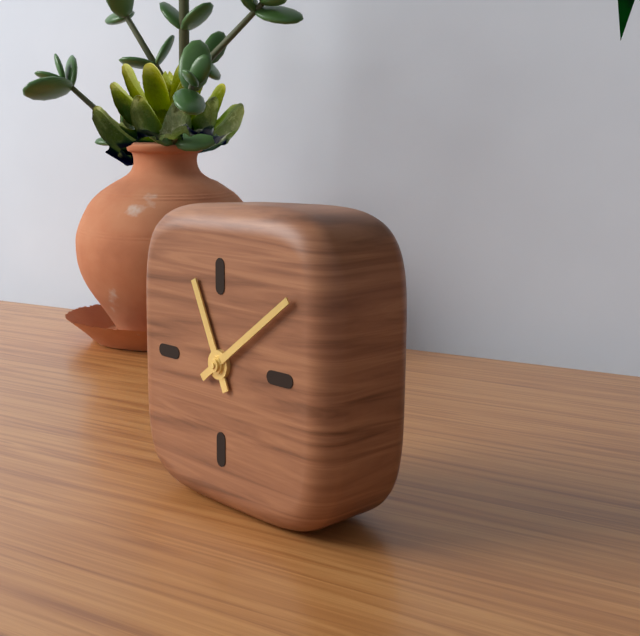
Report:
11h09
